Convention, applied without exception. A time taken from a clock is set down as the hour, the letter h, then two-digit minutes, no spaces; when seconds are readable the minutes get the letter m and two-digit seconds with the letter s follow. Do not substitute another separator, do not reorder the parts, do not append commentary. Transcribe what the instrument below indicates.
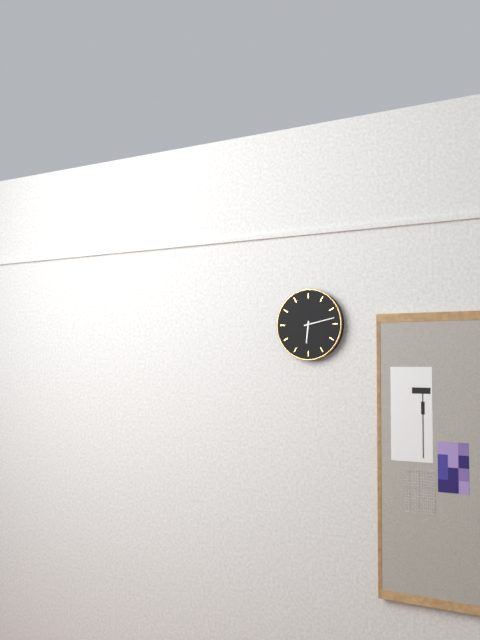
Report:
6h13
